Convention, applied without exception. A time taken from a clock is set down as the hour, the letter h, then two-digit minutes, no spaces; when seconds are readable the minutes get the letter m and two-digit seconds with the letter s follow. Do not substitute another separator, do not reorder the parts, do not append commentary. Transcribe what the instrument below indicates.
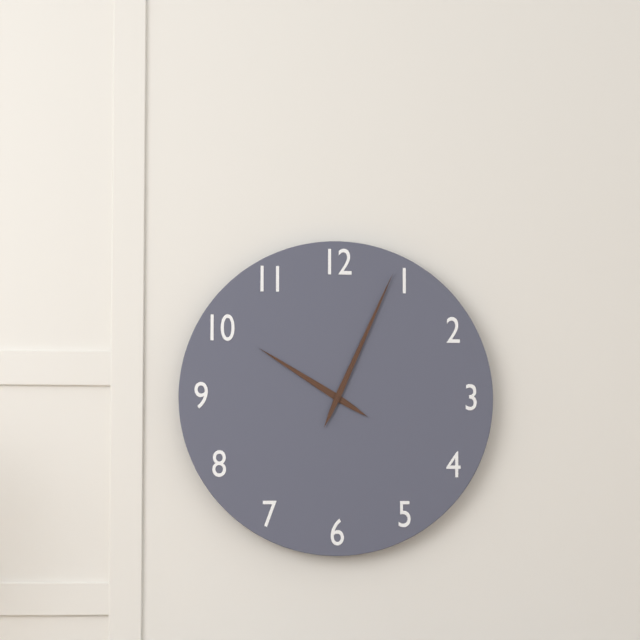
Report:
10h04
